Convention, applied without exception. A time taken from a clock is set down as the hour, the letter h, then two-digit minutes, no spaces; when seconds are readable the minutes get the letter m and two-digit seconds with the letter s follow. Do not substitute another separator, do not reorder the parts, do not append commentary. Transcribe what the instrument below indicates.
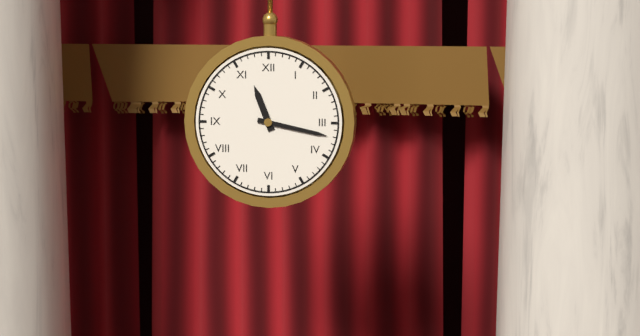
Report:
11h17
